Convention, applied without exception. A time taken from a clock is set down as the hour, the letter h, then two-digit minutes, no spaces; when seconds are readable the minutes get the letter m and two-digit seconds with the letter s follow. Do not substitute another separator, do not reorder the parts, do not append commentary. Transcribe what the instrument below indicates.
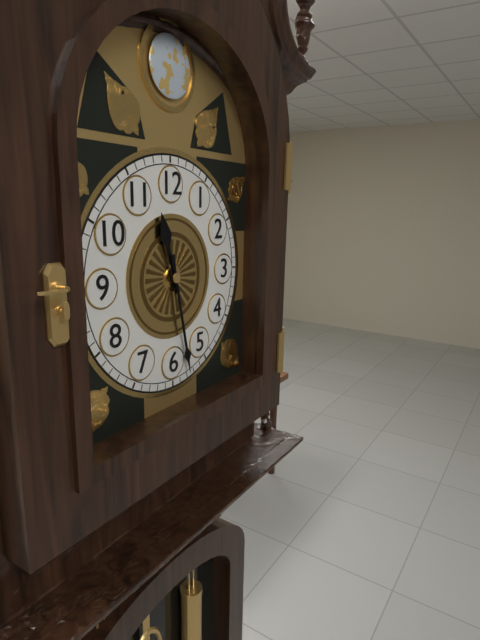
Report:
11h28
